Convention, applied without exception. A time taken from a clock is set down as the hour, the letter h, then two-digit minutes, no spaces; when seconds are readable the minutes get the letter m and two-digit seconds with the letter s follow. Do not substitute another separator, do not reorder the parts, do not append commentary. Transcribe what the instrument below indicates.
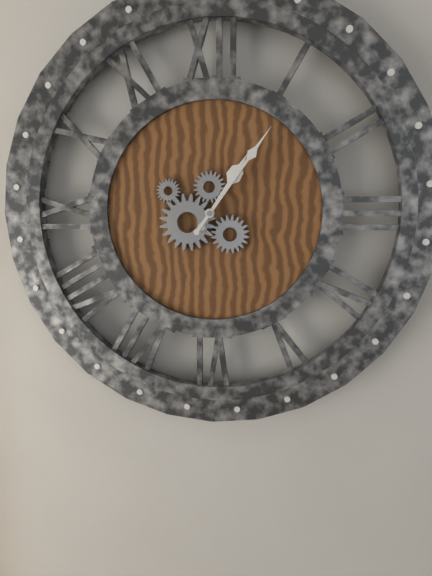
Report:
1h06
